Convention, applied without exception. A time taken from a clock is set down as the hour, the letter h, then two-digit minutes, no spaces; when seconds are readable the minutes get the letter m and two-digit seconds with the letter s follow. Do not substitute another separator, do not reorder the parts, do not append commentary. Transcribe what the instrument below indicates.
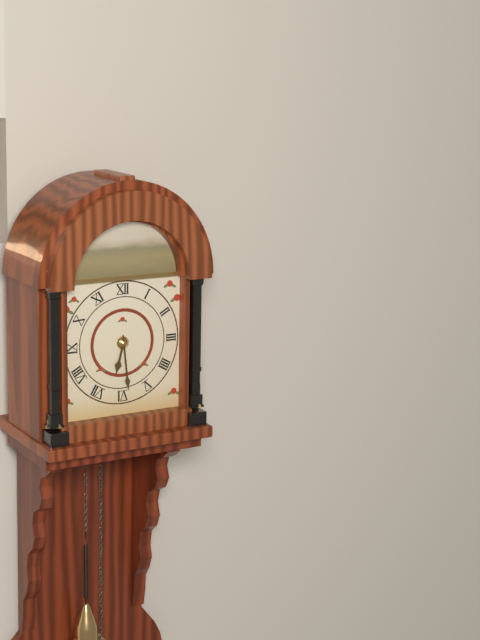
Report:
6h29
